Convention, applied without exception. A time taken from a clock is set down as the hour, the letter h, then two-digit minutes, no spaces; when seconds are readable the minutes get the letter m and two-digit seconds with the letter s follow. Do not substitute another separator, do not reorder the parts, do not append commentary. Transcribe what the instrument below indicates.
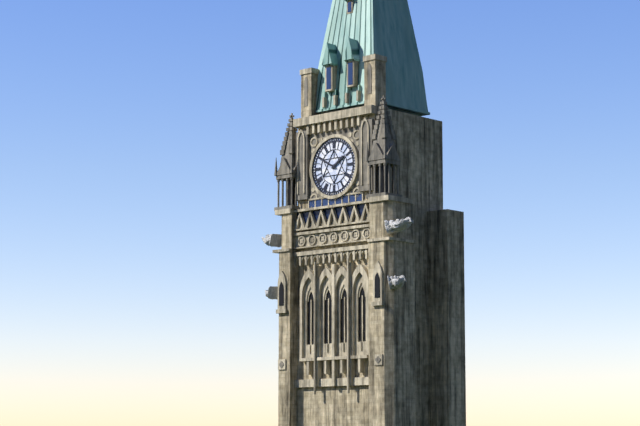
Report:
1h50
